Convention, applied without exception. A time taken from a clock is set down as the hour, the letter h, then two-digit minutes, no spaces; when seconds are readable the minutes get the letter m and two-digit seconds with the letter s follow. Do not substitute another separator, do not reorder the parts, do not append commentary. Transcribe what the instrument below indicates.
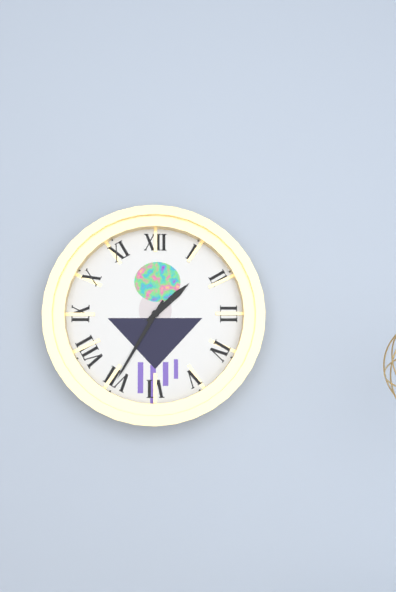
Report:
1h35
